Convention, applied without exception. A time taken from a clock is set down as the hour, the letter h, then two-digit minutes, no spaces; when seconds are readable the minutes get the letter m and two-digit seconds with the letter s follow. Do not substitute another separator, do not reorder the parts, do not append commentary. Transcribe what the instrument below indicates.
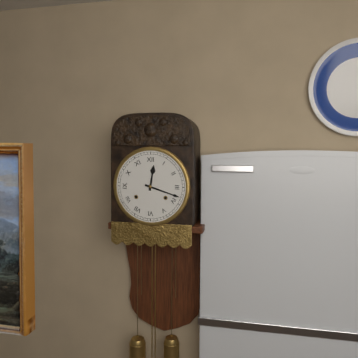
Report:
12h18
